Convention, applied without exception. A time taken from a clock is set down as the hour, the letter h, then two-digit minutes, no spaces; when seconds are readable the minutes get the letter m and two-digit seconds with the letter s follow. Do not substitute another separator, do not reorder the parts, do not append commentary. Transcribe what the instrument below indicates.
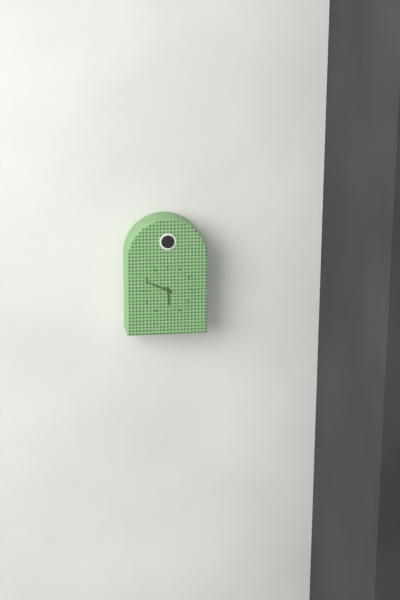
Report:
5h49
